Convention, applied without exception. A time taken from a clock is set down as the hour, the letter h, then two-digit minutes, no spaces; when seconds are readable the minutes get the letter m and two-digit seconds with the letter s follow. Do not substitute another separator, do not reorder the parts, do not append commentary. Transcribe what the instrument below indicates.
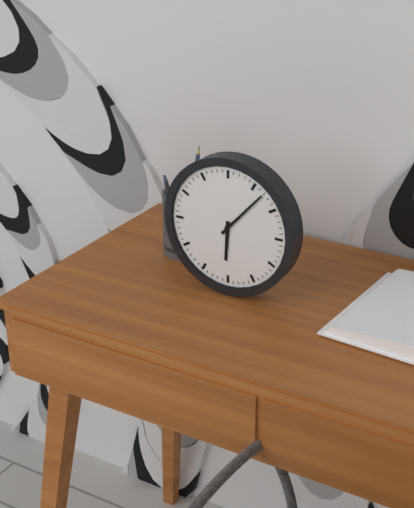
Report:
6h07
